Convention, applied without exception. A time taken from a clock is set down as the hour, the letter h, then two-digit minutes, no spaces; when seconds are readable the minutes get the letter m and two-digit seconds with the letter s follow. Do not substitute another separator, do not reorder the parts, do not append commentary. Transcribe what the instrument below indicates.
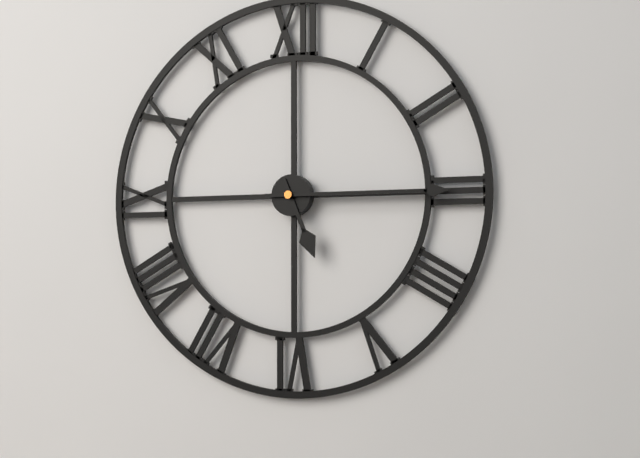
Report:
5h15
